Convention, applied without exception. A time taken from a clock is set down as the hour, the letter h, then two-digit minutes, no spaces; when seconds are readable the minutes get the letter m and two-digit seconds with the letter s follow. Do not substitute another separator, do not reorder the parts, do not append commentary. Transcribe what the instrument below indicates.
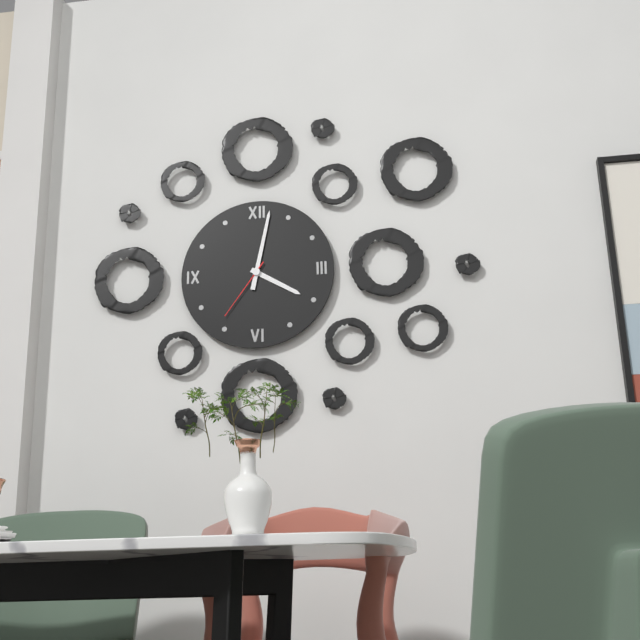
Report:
4h02m36s
